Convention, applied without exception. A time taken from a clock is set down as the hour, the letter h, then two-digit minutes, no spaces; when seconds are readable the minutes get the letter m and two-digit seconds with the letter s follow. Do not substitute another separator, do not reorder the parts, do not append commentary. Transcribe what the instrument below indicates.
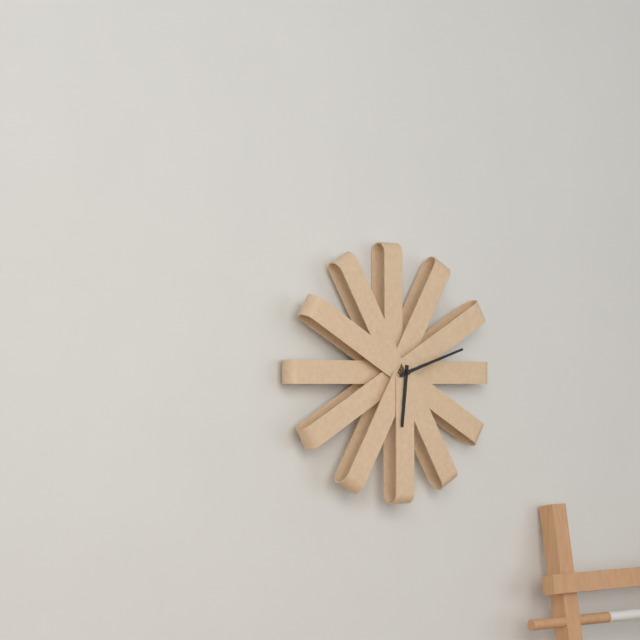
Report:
6h12
